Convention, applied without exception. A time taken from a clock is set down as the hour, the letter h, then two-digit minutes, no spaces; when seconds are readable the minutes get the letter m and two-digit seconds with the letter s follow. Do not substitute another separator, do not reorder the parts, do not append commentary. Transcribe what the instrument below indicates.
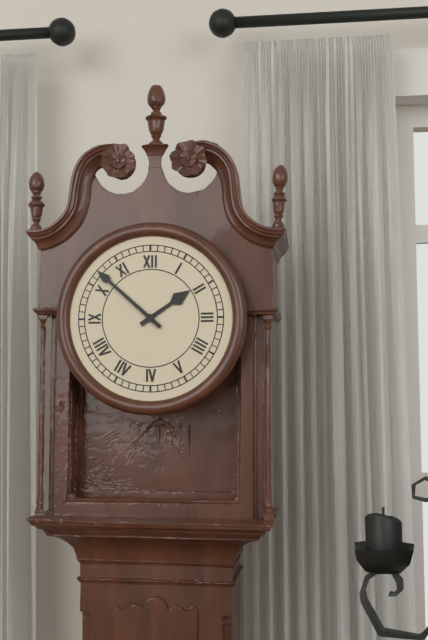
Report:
1h52
